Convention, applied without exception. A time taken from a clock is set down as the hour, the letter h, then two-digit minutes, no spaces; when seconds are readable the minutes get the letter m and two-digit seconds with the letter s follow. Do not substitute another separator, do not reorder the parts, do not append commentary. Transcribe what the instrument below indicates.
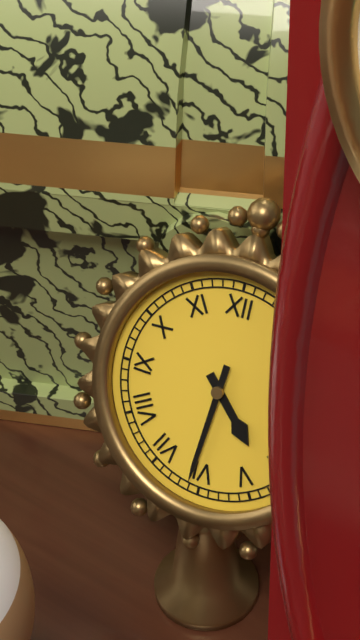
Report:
4h31
